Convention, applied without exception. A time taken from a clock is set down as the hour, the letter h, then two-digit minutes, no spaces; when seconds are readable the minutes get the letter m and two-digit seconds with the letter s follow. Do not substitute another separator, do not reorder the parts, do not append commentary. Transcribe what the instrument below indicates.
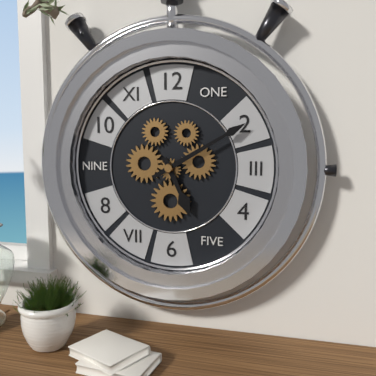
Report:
5h10
